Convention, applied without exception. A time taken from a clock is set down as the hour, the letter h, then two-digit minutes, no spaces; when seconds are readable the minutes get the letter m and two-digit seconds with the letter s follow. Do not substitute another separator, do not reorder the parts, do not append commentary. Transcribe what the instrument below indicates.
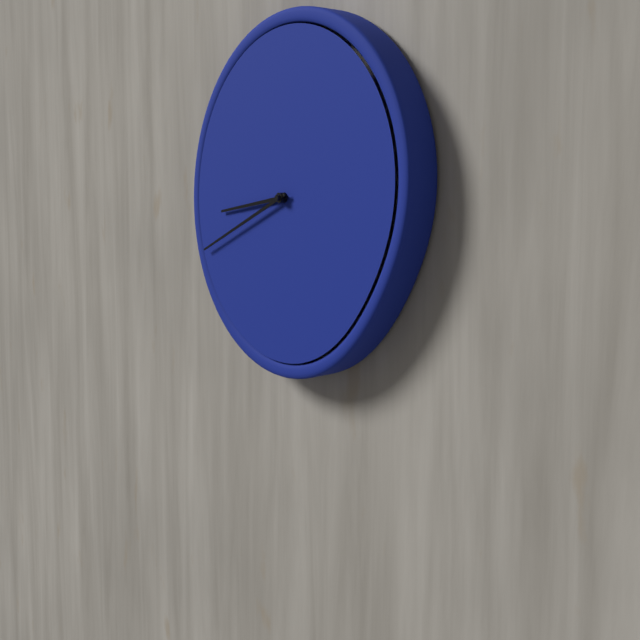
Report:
8h41
